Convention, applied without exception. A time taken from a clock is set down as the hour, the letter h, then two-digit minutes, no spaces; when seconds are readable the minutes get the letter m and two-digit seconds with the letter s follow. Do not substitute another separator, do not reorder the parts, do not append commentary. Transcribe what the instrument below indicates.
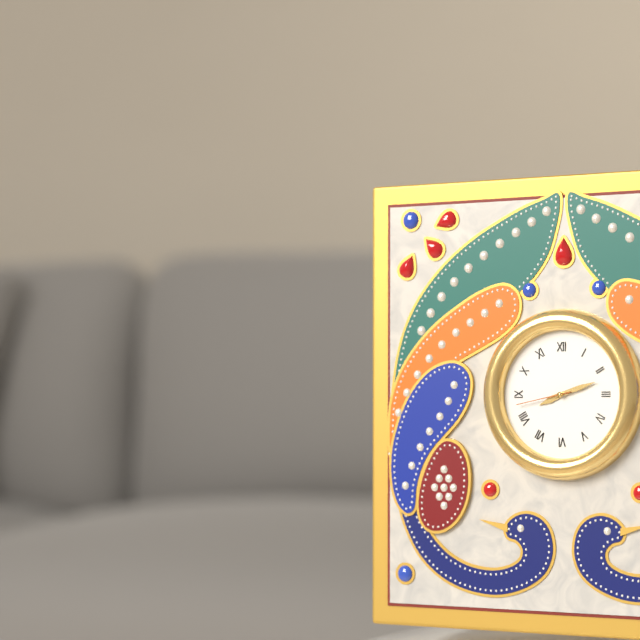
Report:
8h12m43s
